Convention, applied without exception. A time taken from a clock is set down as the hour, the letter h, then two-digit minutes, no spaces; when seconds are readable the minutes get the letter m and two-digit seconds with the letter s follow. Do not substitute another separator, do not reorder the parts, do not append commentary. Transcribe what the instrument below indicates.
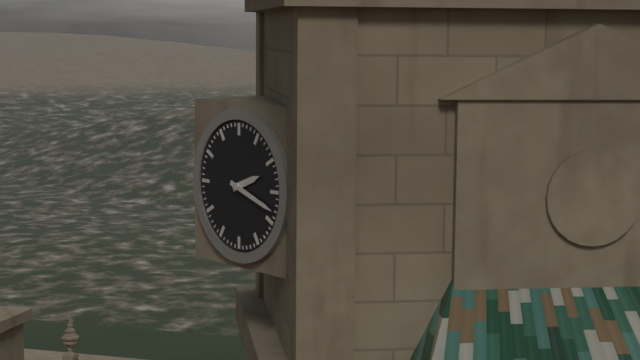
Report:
2h18
